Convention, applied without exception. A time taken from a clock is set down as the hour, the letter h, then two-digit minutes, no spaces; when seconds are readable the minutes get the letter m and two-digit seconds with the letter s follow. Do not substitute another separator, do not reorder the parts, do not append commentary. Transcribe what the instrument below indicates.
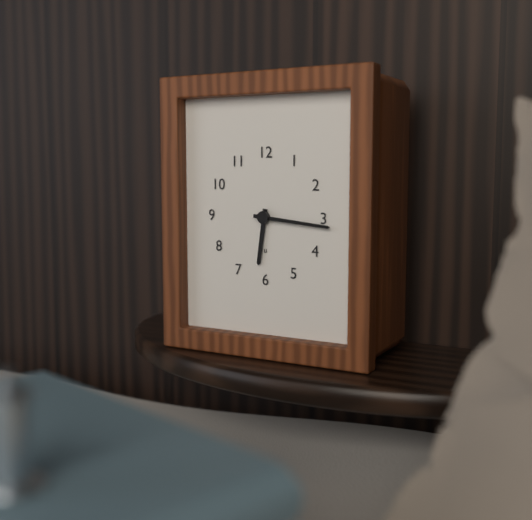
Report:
6h16
